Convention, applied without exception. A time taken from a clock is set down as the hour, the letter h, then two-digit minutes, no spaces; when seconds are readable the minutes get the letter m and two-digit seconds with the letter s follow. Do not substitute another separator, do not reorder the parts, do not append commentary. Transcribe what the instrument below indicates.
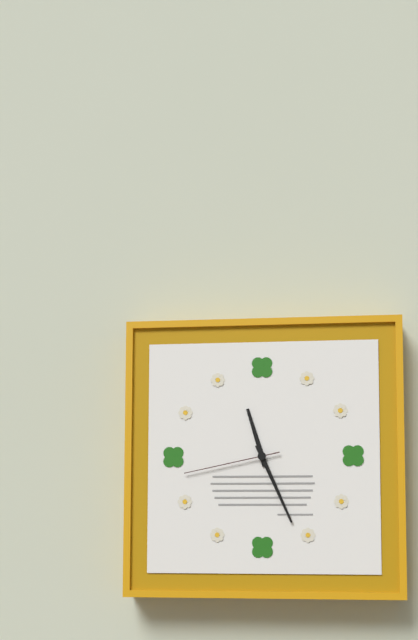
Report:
11h26m43s
